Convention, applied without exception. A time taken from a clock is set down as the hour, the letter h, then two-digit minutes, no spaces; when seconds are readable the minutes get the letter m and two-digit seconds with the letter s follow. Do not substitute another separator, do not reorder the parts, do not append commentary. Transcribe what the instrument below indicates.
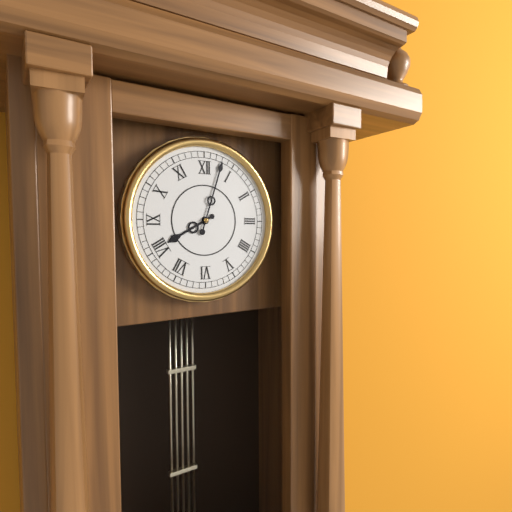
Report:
8h03
